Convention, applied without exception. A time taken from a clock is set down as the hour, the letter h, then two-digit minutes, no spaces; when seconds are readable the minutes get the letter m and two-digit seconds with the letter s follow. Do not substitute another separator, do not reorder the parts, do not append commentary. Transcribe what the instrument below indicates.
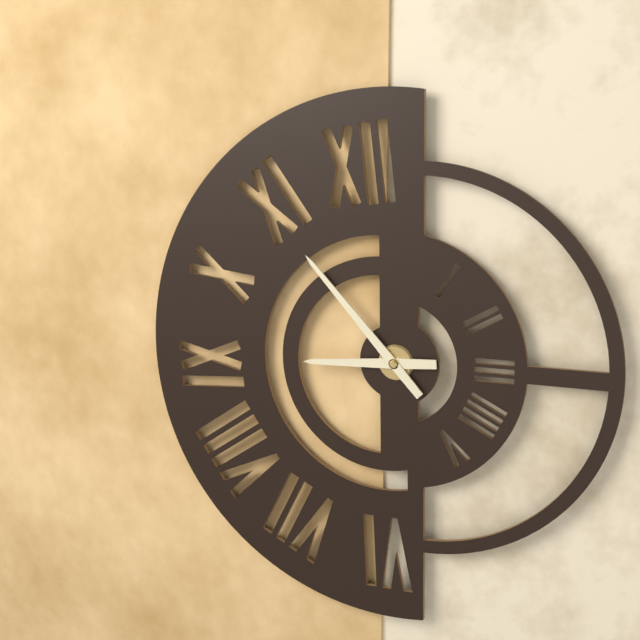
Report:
8h53
